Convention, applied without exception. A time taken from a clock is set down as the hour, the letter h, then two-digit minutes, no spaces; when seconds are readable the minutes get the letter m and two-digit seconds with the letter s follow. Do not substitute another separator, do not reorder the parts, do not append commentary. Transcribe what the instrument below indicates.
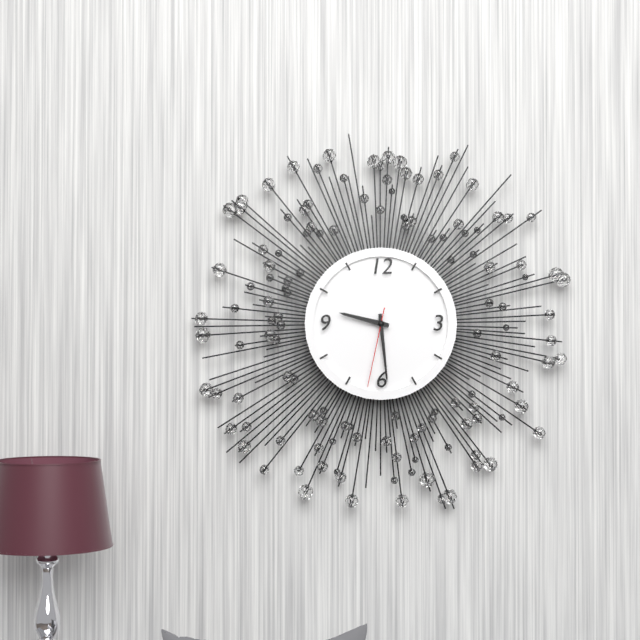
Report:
9h29m32s
